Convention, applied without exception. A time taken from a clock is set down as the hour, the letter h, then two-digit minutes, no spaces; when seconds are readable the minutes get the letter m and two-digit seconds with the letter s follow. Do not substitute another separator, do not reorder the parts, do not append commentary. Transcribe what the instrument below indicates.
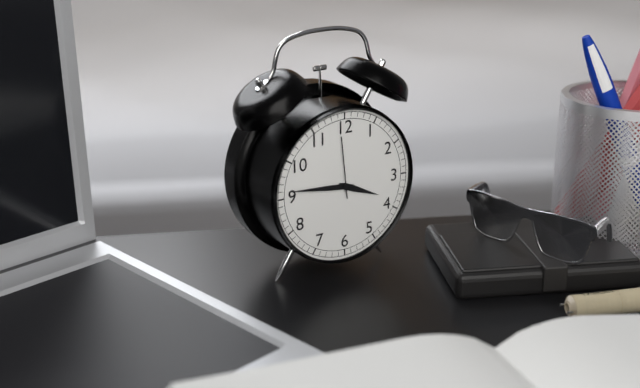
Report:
3h46m59s
